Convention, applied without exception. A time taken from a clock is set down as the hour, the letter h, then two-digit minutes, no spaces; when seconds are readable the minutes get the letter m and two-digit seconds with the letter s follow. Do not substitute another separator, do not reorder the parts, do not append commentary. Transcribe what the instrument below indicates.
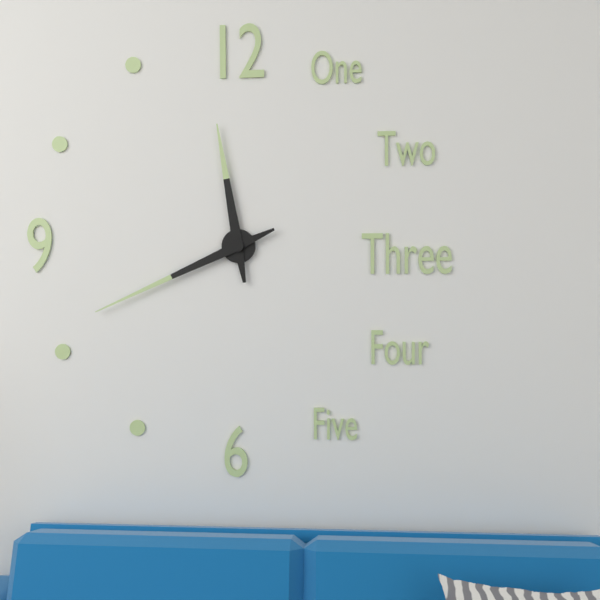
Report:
11h41
